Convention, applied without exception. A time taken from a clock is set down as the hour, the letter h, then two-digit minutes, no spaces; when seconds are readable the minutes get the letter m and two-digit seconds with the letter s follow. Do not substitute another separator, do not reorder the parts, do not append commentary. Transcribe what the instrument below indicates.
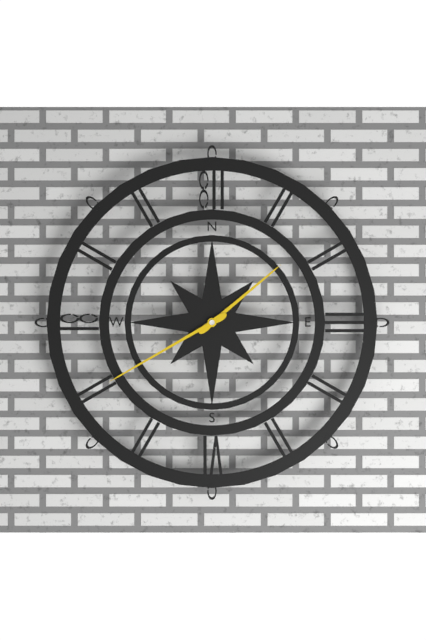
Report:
1h40
